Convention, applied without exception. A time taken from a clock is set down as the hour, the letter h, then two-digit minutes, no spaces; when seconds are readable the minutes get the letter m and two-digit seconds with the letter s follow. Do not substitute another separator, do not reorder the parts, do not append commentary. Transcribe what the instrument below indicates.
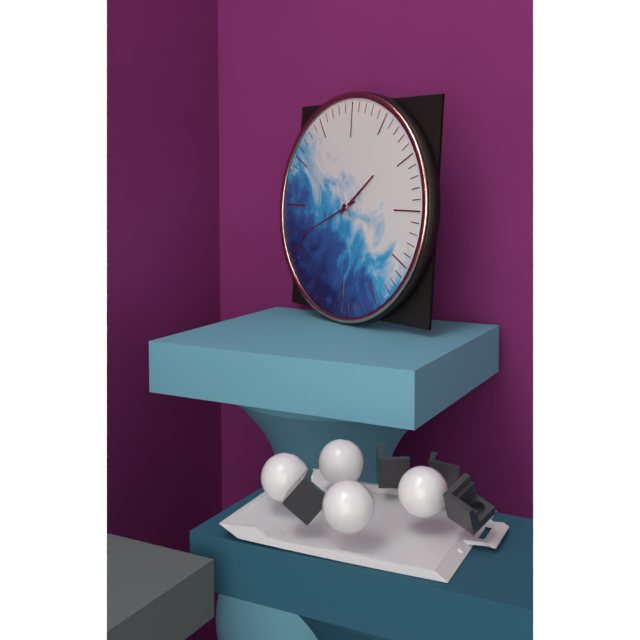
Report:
1h41
